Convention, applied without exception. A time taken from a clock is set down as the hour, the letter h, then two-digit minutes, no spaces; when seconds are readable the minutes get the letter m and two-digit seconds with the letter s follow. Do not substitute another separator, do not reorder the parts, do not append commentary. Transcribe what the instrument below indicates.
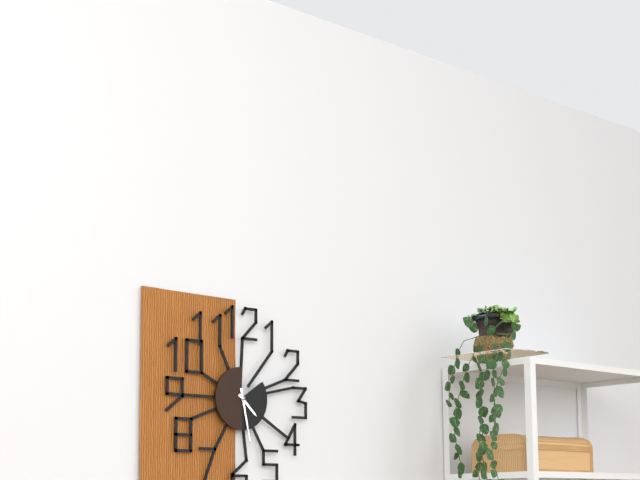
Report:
4h28
